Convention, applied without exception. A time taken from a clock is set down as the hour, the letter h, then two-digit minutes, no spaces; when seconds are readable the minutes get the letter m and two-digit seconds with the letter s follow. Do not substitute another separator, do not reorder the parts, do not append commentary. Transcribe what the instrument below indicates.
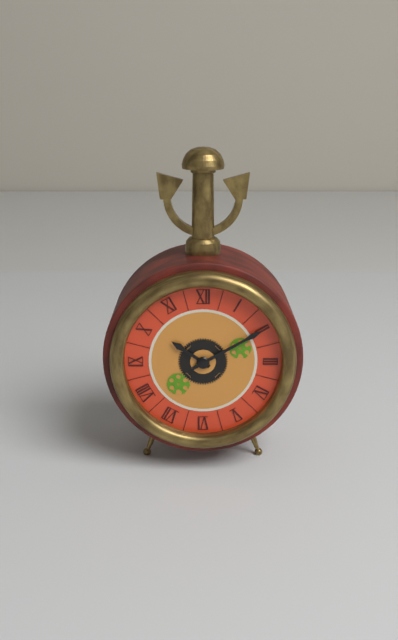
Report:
10h10
